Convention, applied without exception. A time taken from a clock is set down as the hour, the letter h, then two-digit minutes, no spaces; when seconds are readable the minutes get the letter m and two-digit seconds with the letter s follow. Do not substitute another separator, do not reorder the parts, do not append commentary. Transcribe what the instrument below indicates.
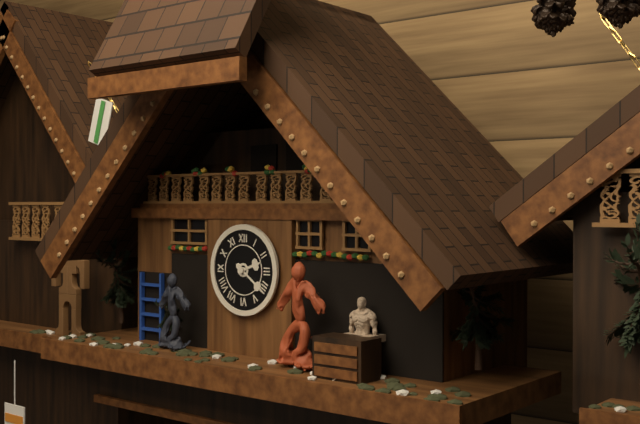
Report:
2h21
